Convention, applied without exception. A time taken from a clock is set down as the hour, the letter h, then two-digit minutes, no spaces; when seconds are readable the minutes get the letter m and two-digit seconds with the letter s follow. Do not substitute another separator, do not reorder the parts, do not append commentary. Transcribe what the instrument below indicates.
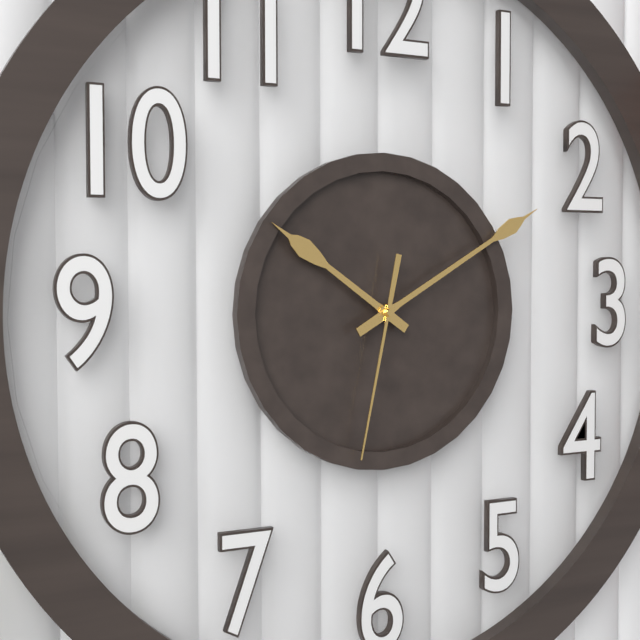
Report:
10h10m32s
